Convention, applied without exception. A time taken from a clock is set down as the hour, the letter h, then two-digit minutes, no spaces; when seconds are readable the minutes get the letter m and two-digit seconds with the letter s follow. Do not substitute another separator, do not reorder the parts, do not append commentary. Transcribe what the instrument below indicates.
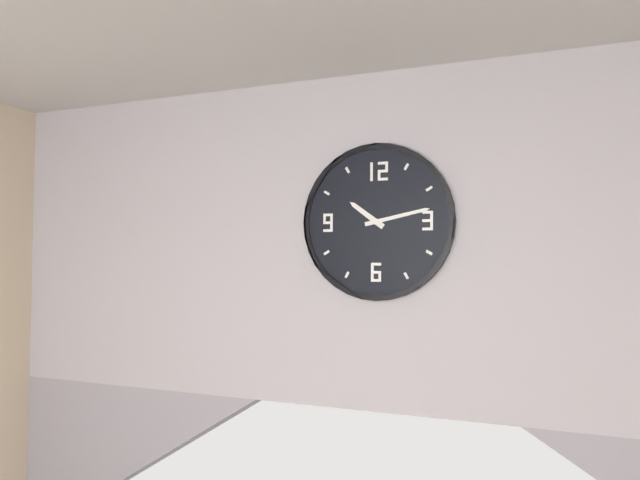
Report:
10h13
